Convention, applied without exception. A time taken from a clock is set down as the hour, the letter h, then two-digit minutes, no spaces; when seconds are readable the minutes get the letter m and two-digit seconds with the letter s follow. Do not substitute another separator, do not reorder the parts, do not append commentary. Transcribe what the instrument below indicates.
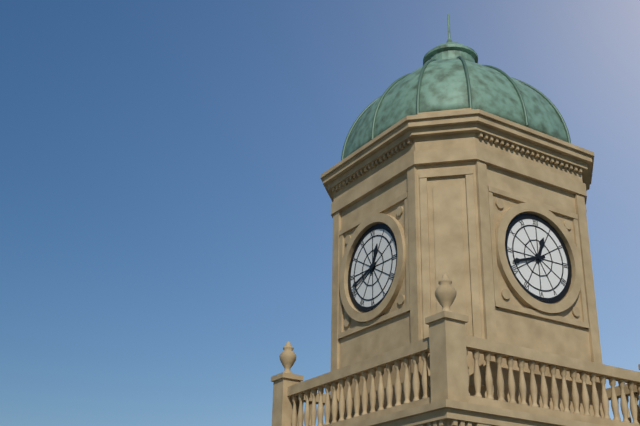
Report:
12h42
